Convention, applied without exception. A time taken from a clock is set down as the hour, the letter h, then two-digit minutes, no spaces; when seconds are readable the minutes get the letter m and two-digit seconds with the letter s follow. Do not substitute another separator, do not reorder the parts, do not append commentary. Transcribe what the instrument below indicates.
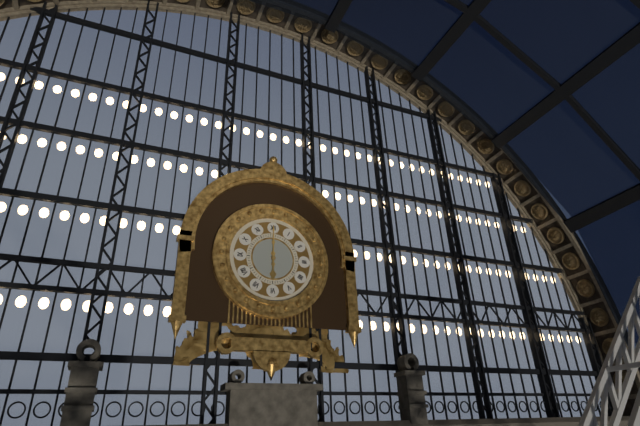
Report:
6h00
